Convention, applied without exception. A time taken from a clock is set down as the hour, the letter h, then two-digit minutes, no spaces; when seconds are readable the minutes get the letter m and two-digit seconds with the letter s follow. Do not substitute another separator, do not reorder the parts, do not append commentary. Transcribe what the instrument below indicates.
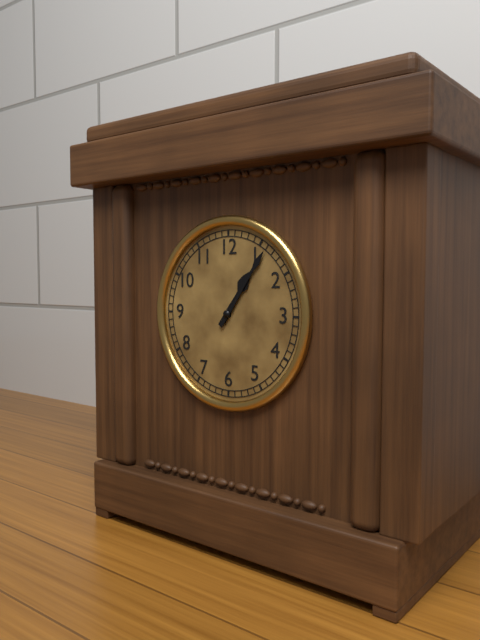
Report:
1h06
